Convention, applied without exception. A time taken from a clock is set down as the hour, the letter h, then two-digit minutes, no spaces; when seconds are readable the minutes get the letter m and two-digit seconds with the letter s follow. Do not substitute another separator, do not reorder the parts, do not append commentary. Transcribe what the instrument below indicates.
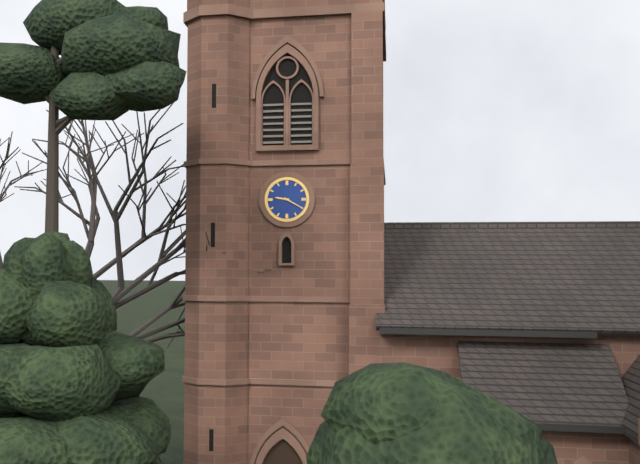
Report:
9h20
